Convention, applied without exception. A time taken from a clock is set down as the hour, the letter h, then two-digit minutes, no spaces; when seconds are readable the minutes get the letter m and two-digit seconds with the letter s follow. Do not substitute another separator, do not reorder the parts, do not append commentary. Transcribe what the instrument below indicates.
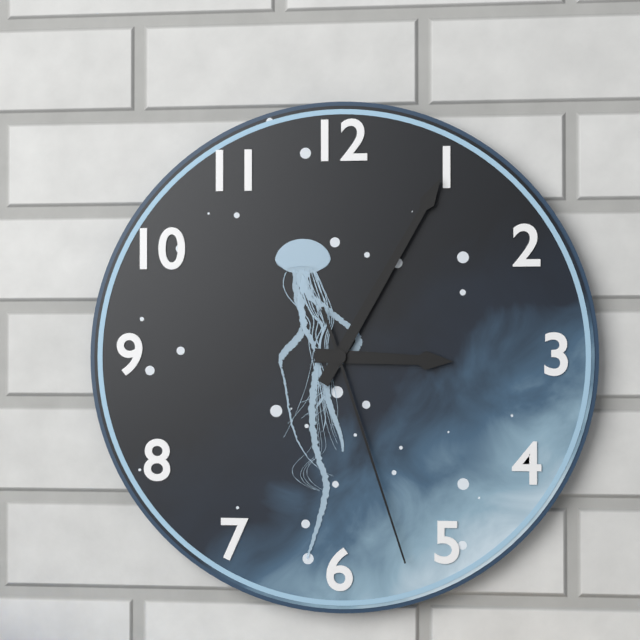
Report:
3h05m27s
